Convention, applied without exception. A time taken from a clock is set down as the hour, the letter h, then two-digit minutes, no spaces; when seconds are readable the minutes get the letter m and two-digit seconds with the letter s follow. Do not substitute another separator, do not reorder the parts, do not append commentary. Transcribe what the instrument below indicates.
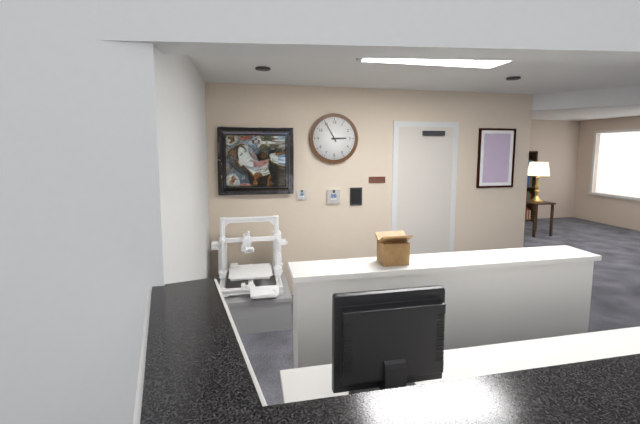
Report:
2h55
